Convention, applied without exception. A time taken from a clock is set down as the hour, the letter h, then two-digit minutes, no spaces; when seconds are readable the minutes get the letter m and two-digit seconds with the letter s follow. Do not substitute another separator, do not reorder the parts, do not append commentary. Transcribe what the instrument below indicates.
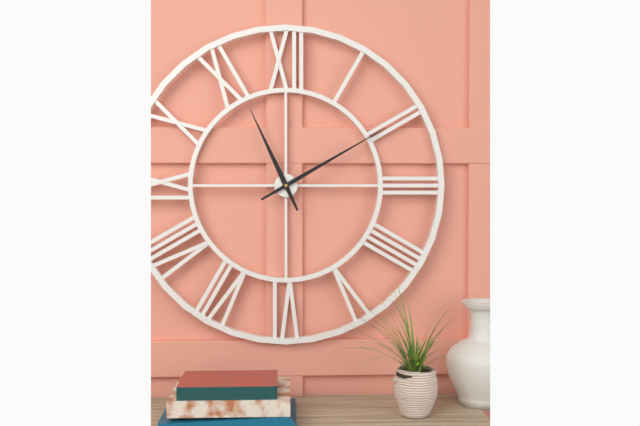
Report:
11h10
